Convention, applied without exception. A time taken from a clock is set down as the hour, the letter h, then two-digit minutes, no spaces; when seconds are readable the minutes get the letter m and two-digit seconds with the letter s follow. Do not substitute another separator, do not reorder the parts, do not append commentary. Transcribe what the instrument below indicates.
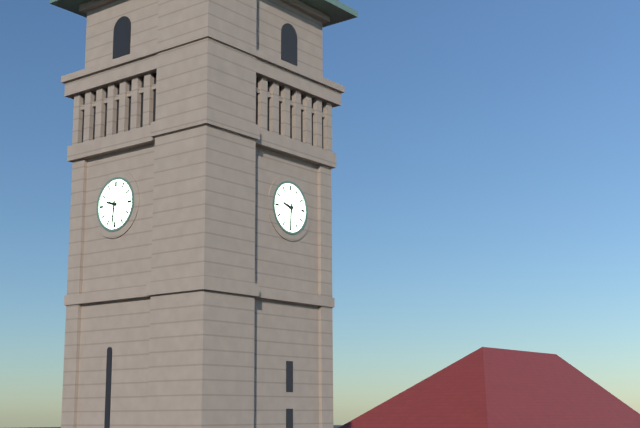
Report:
9h31
